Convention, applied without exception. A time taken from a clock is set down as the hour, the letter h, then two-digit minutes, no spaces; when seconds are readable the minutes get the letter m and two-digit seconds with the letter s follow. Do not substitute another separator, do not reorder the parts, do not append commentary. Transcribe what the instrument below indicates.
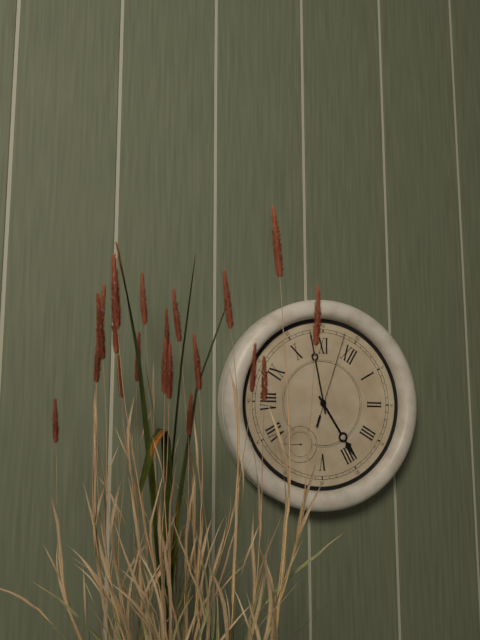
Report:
3h53m58s
